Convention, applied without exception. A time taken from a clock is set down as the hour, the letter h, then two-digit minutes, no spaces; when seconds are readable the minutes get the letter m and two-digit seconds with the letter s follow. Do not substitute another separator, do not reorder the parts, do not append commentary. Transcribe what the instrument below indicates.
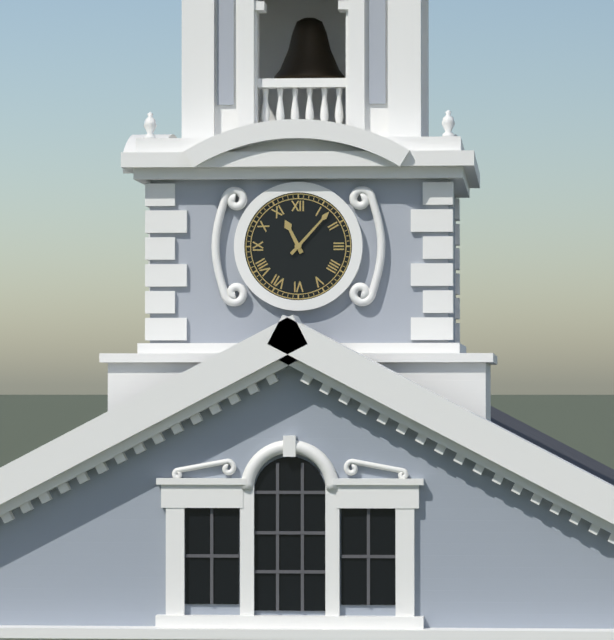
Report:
11h07
